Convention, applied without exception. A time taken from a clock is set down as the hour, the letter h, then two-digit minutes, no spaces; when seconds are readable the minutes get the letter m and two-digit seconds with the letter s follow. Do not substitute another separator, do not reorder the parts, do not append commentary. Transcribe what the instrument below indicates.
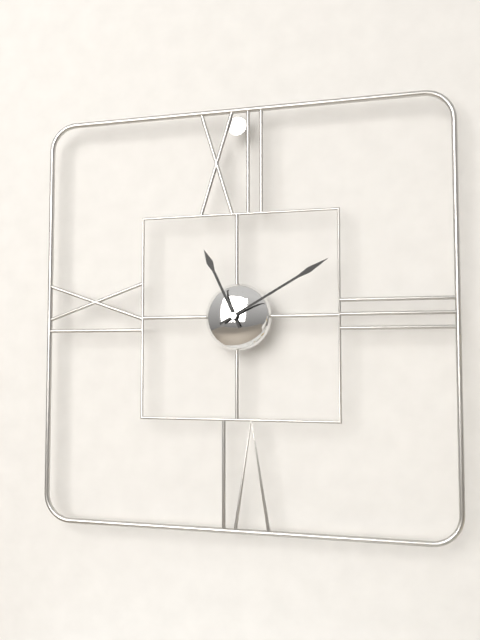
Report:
11h10
